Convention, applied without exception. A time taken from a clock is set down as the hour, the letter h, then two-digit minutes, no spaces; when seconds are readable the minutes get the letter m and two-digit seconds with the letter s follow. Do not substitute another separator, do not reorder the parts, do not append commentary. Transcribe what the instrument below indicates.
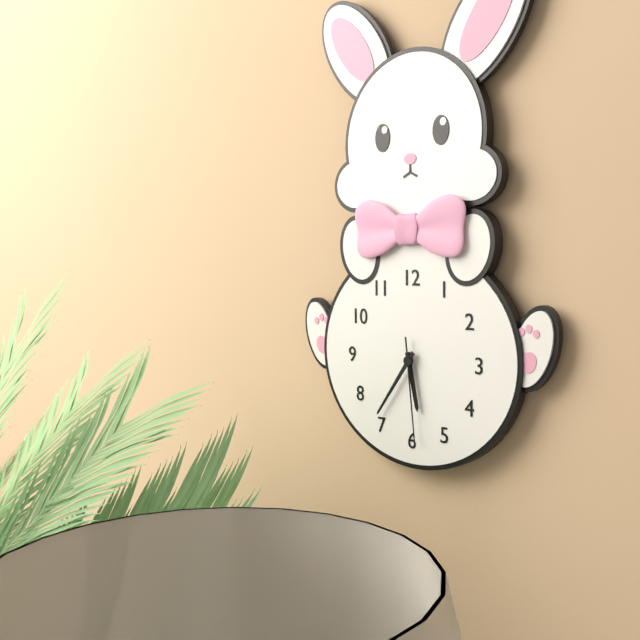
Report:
5h36m29s
